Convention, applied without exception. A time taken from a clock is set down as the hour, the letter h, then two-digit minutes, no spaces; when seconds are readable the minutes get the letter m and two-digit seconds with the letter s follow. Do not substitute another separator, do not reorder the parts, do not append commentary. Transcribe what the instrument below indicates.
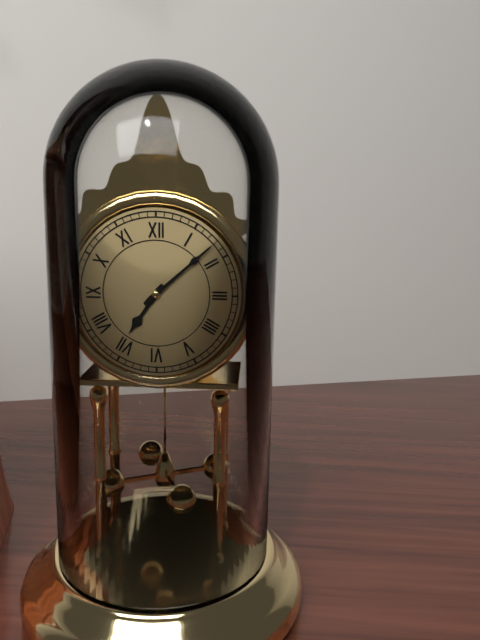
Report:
7h08
